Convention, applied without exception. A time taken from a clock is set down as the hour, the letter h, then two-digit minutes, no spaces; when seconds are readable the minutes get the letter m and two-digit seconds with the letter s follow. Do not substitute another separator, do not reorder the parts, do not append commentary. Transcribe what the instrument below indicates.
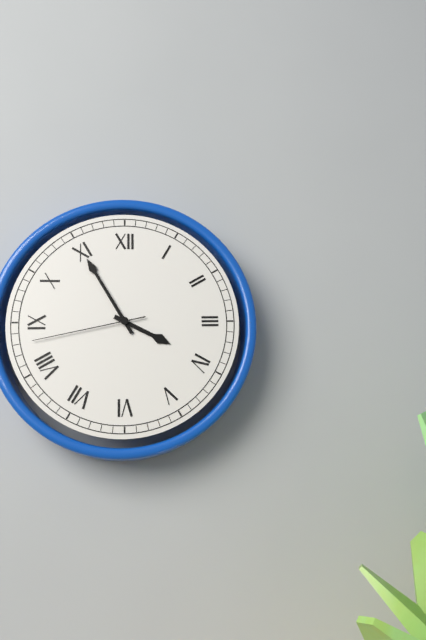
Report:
3h55m43s
